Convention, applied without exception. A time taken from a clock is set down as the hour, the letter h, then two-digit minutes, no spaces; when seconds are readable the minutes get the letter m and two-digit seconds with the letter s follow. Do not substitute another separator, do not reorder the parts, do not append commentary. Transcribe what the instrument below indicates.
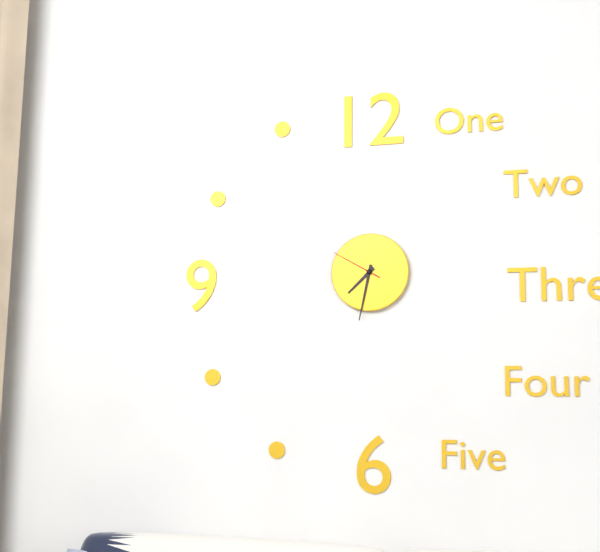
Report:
7h32m50s
